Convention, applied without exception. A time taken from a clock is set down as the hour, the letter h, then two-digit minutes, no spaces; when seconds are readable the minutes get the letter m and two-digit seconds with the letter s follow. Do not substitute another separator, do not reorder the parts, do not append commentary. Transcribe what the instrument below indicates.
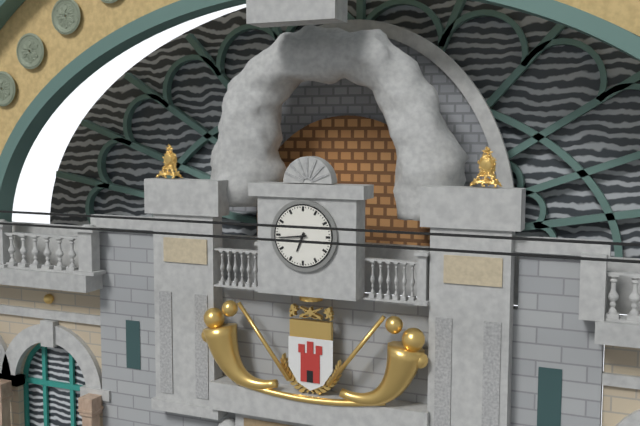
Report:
6h44
